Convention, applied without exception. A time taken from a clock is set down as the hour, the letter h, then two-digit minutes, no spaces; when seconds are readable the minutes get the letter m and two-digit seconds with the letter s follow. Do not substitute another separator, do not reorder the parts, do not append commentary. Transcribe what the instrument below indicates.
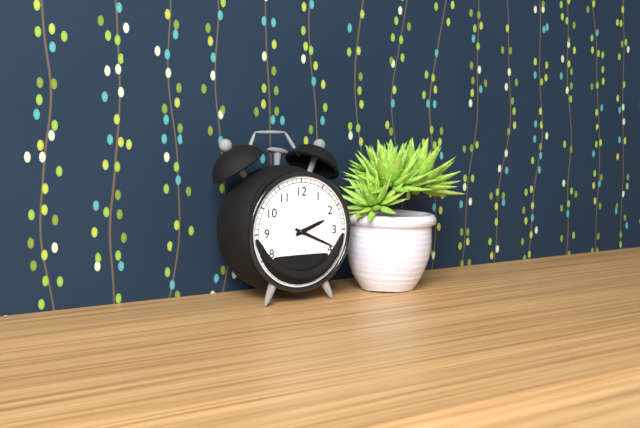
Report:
2h19
